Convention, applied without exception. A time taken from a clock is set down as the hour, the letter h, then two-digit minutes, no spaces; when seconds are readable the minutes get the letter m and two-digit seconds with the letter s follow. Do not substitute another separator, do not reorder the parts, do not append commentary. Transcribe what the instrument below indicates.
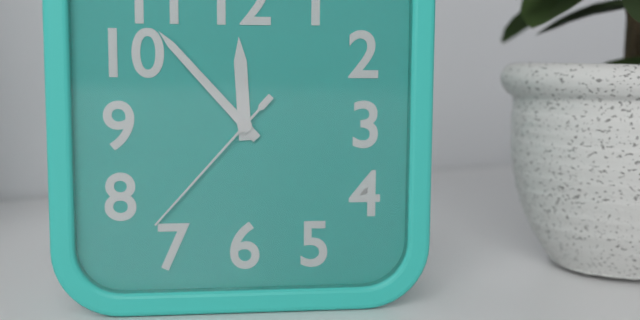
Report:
11h53m37s
